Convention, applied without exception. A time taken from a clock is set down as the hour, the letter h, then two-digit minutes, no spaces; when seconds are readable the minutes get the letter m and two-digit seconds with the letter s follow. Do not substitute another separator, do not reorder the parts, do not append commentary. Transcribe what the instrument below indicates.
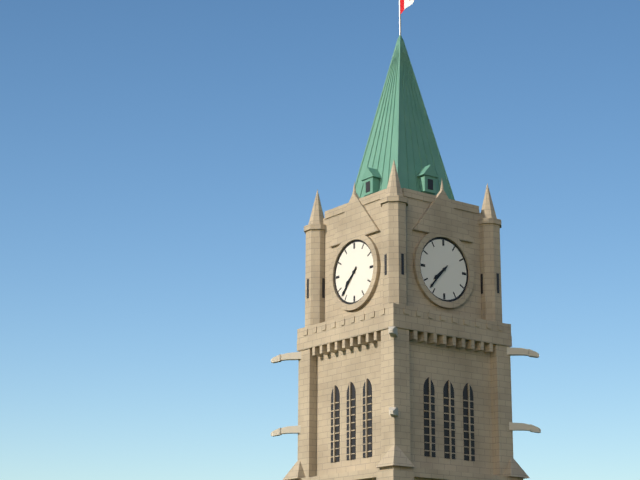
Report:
7h37
